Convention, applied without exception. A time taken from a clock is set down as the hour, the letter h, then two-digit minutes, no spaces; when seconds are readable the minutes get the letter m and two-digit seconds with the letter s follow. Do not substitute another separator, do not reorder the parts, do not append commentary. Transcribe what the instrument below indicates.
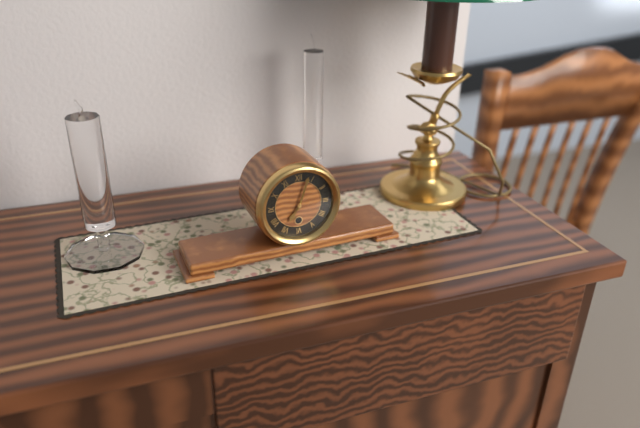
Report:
7h03
